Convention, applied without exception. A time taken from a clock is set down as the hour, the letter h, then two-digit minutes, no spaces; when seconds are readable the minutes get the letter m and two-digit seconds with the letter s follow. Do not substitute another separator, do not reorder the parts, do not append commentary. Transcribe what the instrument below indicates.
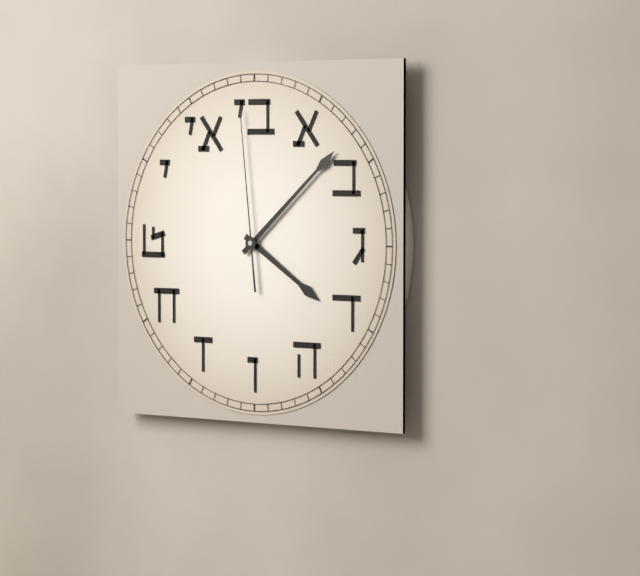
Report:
4h08m59s
